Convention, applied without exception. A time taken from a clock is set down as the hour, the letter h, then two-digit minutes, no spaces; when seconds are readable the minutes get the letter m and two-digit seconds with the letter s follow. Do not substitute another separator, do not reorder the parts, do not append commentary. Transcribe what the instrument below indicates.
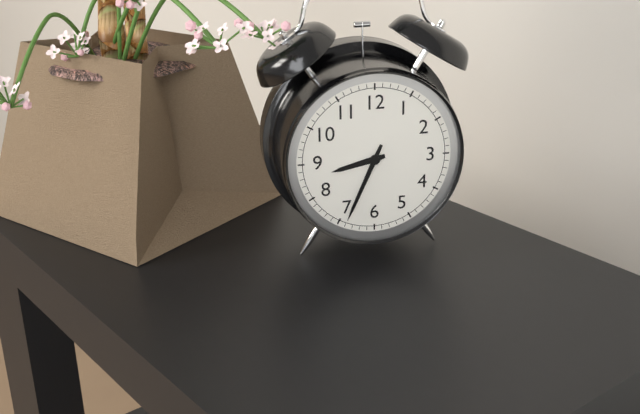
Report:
8h34
